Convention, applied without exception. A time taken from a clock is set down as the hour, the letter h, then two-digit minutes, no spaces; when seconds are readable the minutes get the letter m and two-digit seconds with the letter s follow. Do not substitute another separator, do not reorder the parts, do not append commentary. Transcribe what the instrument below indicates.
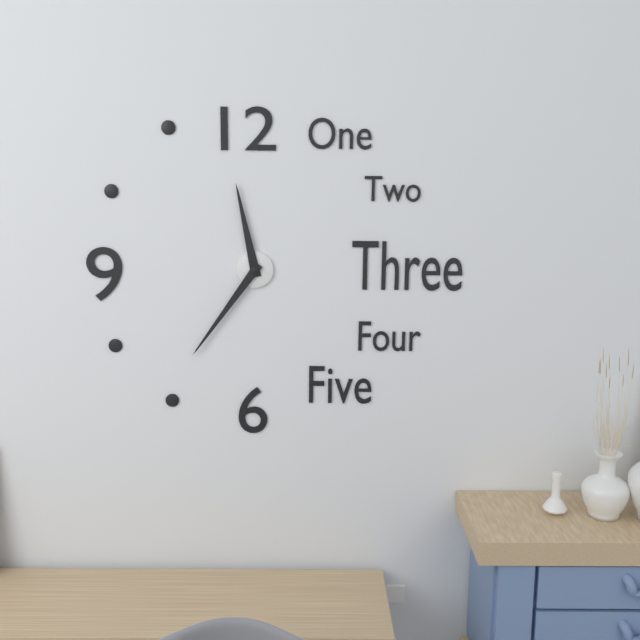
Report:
11h36
